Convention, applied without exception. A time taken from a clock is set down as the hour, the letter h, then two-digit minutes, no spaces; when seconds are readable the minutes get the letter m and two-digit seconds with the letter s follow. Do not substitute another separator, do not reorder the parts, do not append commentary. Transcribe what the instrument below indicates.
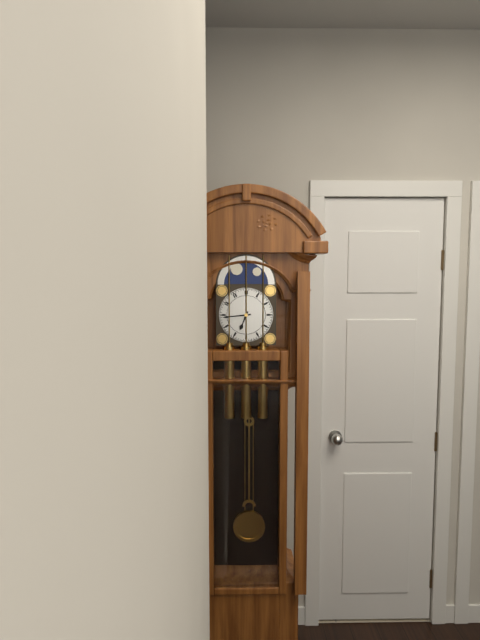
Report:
6h44
